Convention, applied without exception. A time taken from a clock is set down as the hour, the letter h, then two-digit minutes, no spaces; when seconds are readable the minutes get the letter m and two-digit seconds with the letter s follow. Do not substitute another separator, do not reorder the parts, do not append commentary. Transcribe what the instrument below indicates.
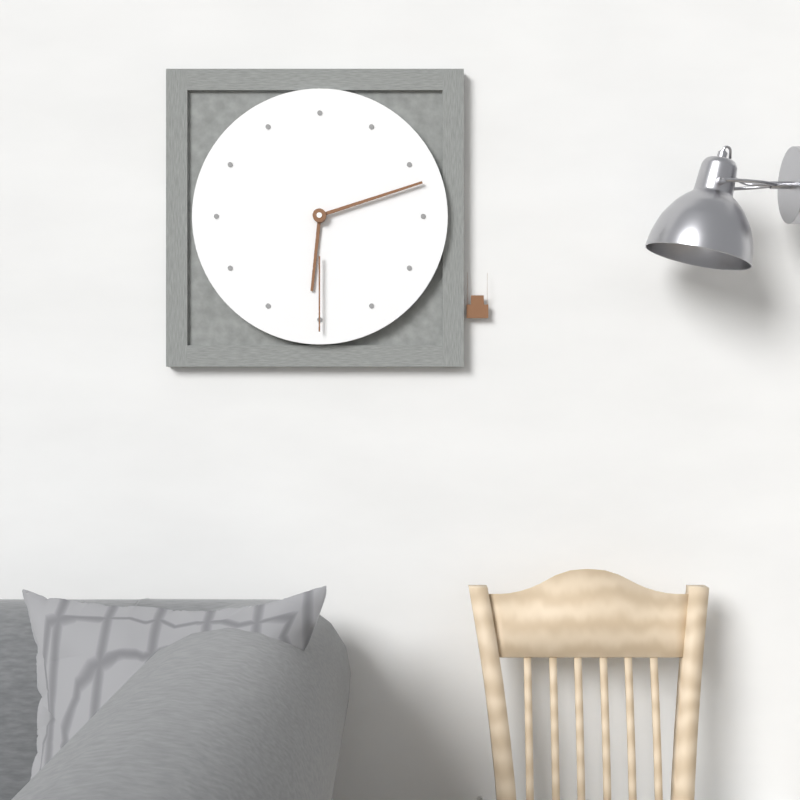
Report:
6h12m30s
